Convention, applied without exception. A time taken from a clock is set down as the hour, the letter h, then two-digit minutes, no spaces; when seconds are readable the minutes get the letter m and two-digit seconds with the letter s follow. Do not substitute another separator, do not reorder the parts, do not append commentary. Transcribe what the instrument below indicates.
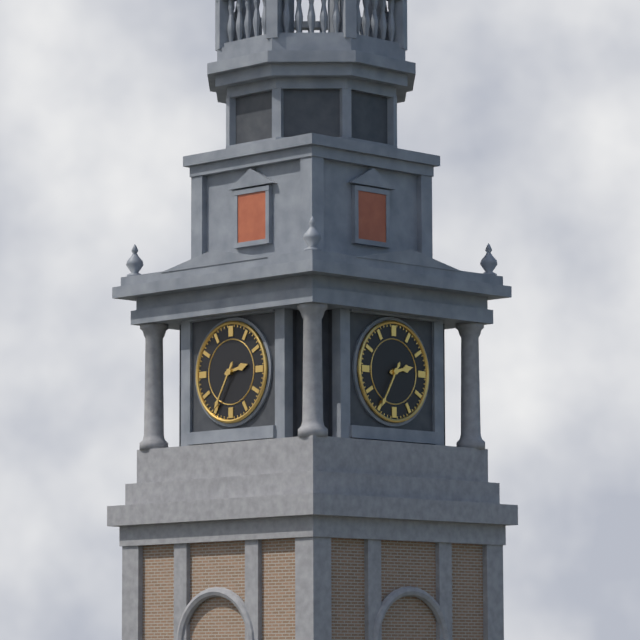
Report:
2h35
